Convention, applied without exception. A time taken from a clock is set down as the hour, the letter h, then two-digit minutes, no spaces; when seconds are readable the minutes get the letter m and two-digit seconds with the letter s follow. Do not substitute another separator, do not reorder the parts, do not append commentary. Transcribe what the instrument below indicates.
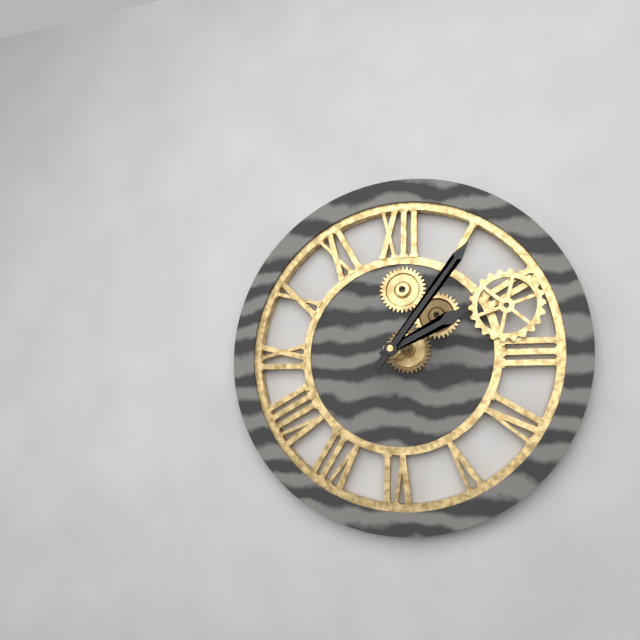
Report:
2h06
